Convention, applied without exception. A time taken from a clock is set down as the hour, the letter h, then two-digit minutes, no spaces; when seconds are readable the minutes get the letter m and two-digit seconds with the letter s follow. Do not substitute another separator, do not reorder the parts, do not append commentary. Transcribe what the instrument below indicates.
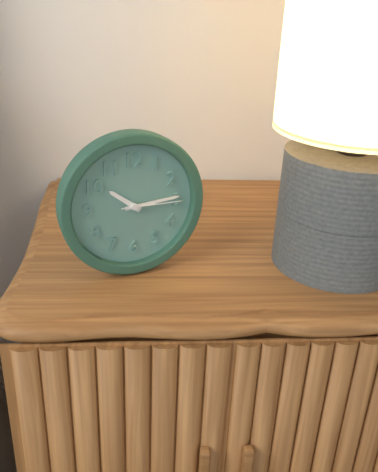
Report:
10h14m15s
